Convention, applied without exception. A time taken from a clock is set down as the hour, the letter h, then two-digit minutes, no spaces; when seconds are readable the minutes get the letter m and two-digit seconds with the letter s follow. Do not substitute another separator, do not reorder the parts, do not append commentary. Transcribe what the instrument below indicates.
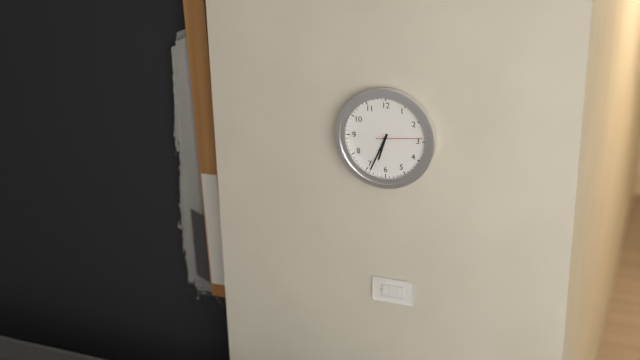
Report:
6h34
